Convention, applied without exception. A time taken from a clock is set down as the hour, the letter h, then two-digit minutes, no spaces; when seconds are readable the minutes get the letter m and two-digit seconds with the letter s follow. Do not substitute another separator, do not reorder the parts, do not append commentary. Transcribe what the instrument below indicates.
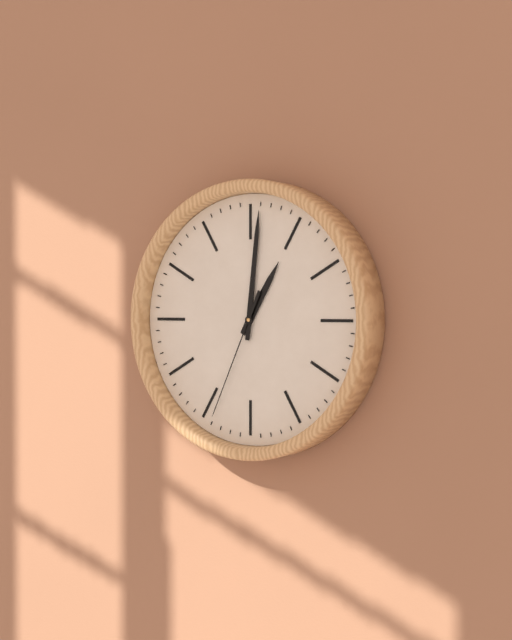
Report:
1h01m34s
